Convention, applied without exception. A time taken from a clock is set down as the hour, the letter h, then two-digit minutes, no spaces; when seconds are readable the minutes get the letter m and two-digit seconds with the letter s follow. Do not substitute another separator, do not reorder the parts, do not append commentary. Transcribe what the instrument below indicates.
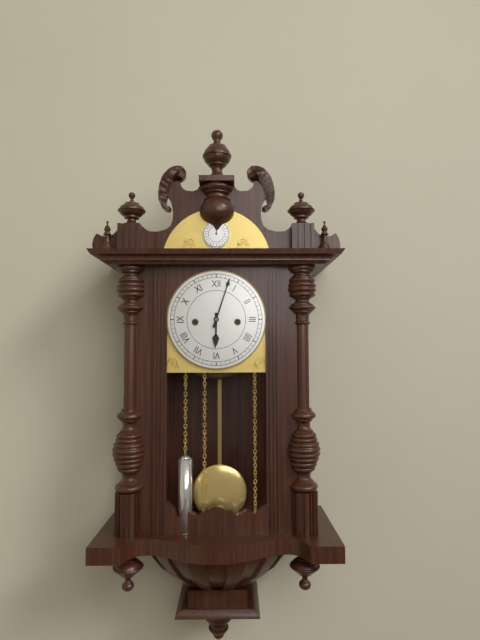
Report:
6h03
